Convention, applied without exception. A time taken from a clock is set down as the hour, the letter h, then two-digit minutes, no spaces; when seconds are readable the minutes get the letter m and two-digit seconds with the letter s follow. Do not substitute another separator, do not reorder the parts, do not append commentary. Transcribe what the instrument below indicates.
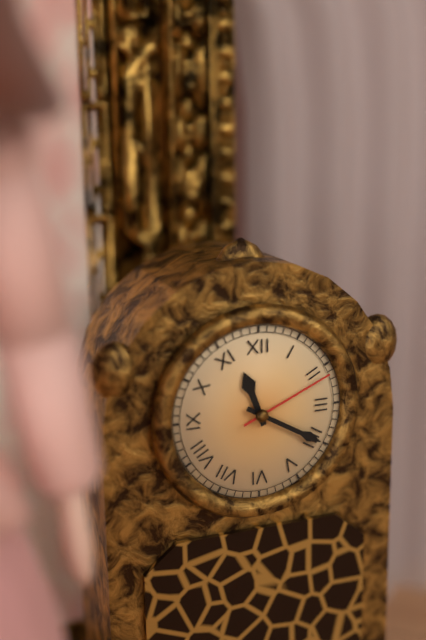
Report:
11h20m11s
